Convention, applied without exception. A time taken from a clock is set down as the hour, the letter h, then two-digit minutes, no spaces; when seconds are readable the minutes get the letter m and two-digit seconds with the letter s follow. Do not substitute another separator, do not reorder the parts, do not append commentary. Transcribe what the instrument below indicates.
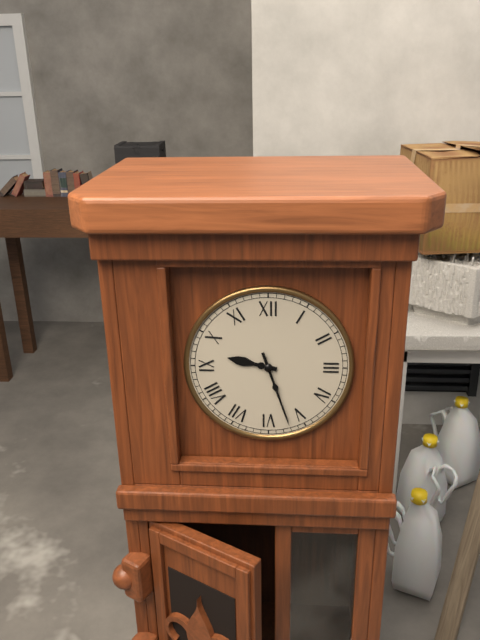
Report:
9h27
